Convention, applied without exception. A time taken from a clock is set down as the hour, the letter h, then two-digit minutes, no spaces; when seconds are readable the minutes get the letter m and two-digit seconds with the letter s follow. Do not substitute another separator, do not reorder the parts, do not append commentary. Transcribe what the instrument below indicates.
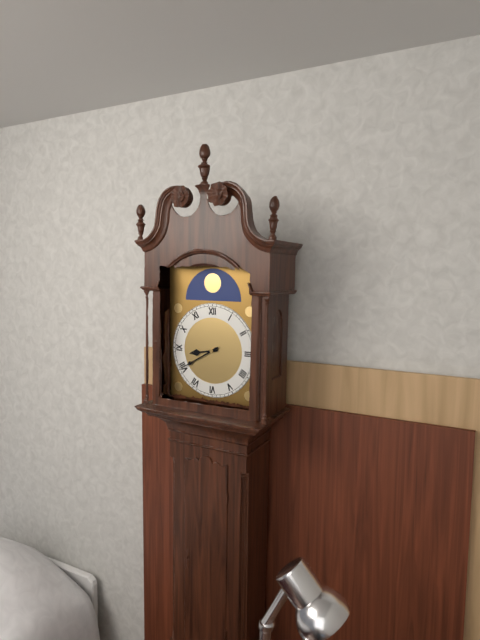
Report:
8h40
